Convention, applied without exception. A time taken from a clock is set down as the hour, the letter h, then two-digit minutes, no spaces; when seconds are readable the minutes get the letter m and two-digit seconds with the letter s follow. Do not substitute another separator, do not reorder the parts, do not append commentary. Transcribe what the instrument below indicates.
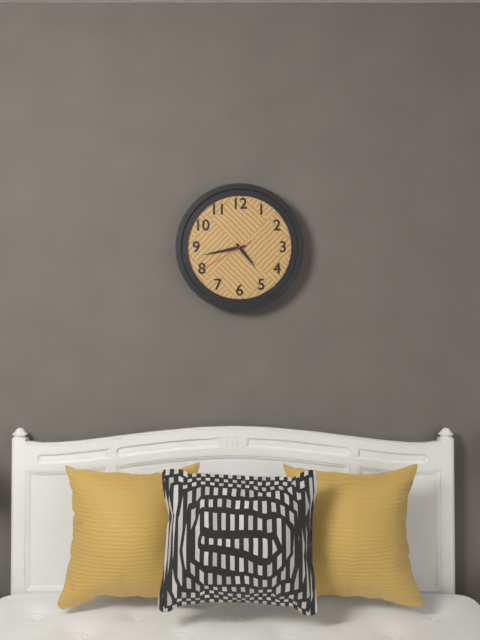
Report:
4h43m40s
